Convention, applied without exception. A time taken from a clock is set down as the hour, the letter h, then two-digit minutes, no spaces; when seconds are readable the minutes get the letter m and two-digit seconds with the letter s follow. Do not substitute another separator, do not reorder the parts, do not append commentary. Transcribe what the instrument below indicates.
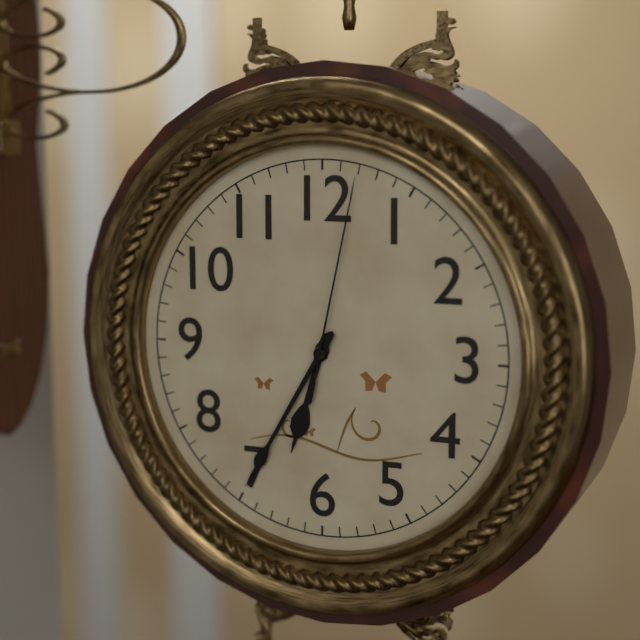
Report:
6h35m02s
